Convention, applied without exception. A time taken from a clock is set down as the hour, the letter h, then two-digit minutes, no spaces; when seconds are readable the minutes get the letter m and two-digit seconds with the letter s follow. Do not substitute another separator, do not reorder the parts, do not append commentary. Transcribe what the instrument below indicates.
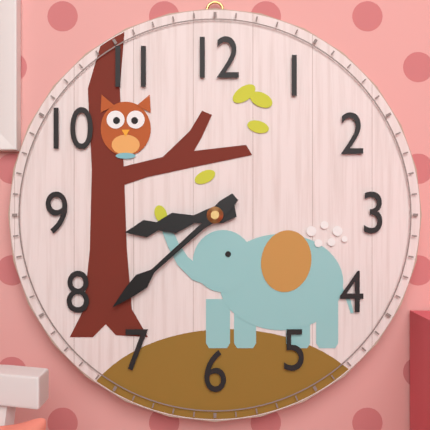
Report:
8h38
